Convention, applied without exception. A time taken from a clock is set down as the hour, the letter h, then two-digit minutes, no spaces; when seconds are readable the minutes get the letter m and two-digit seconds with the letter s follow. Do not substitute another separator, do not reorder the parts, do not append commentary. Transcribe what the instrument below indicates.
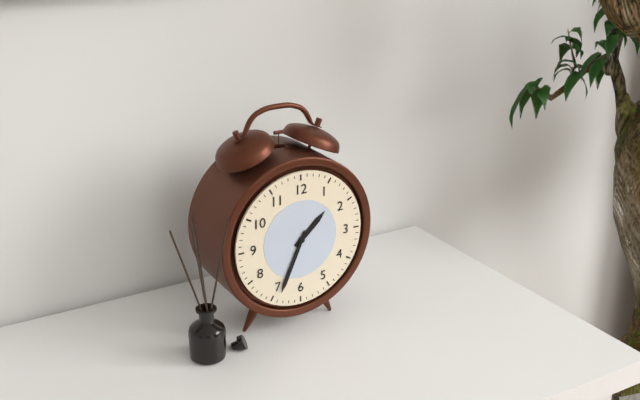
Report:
1h34
